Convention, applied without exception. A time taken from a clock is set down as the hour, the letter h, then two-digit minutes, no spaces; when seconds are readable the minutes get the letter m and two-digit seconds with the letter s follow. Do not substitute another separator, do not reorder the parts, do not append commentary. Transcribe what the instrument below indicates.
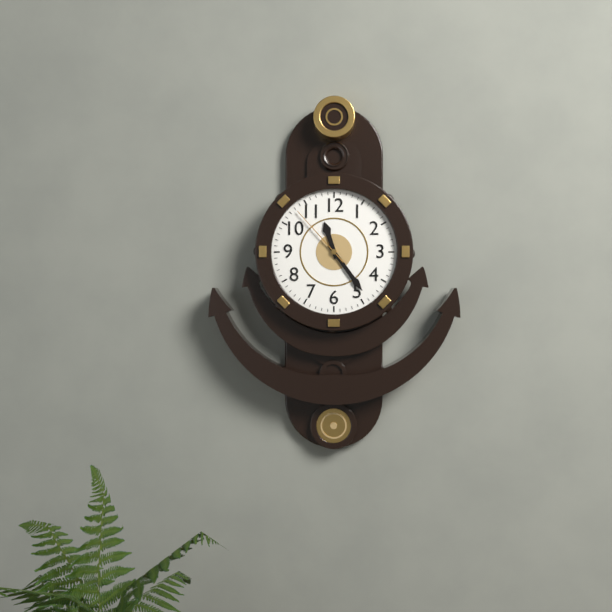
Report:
11h24m53s
